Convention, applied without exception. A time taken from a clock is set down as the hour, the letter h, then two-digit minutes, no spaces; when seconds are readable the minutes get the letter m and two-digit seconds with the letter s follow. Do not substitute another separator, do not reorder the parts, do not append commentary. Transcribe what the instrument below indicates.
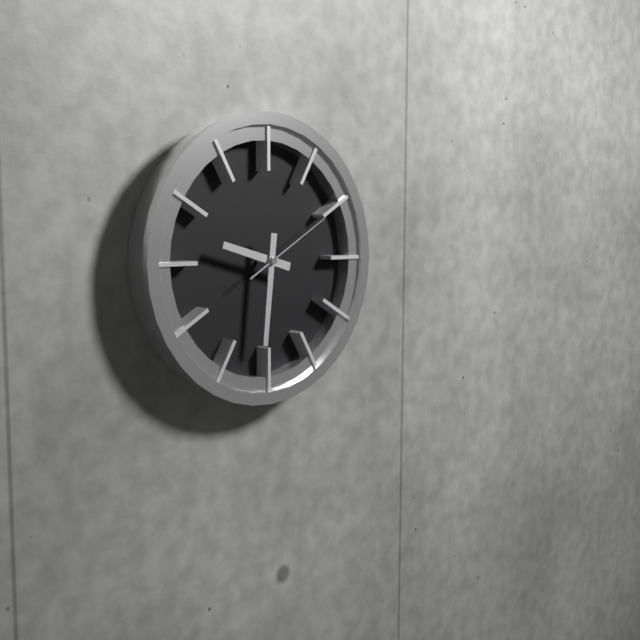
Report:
9h31m10s
